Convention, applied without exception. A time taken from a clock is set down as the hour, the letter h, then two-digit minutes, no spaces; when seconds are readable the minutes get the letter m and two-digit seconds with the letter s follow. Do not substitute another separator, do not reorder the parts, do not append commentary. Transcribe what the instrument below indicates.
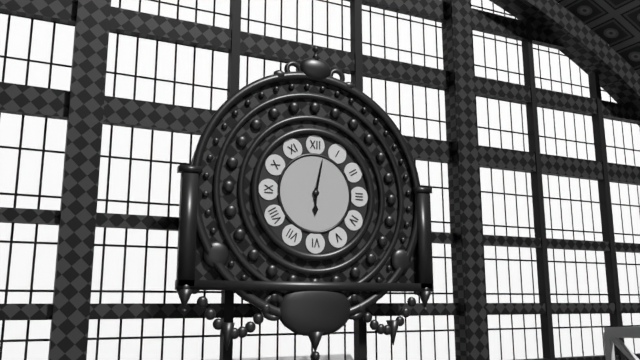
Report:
6h02
